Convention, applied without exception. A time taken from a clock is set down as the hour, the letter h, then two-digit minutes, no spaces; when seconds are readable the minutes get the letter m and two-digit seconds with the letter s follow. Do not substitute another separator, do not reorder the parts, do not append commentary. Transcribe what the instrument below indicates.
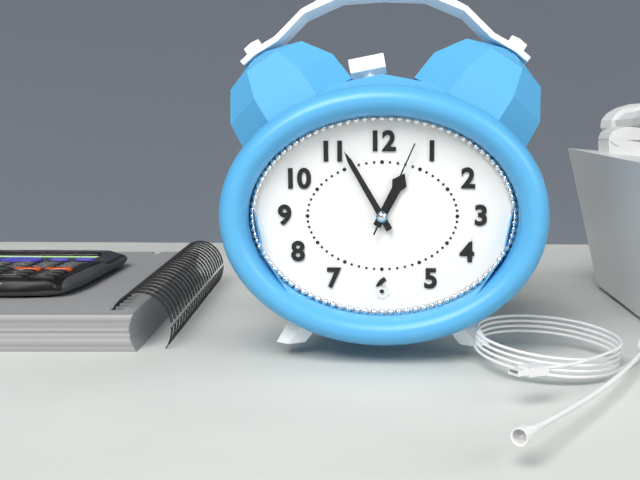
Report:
12h55m04s
